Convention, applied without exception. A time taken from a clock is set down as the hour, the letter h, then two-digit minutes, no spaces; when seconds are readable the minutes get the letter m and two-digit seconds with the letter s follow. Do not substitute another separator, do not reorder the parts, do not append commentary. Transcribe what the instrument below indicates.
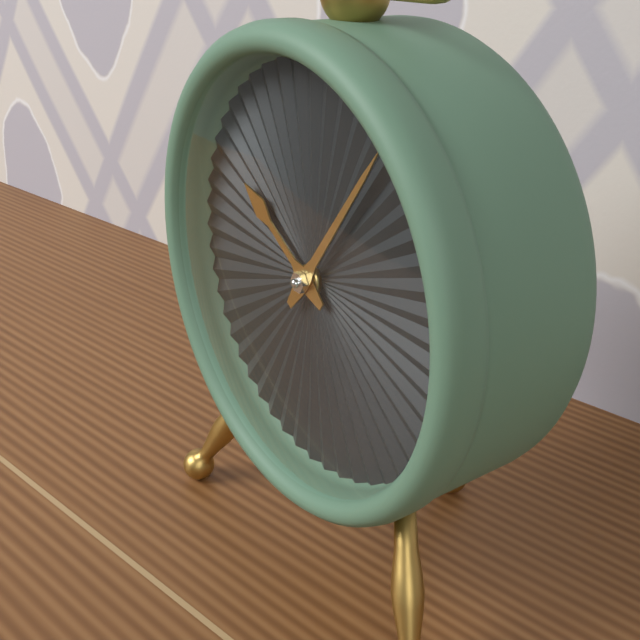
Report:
10h06
